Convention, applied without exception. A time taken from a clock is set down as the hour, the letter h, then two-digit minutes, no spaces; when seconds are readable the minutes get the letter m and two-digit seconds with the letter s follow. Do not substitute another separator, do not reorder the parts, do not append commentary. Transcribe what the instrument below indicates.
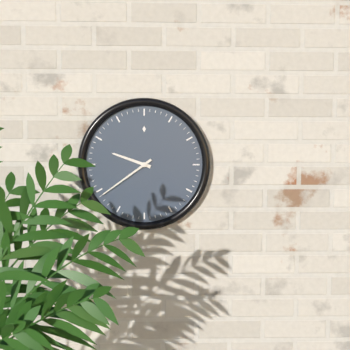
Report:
9h39
